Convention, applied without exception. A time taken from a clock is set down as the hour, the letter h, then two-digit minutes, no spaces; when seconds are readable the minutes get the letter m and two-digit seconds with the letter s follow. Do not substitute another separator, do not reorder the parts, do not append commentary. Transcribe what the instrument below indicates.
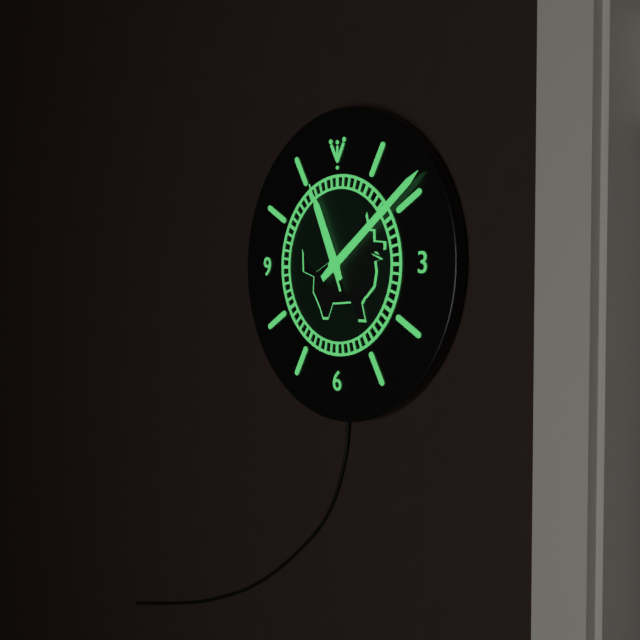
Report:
11h09m56s
